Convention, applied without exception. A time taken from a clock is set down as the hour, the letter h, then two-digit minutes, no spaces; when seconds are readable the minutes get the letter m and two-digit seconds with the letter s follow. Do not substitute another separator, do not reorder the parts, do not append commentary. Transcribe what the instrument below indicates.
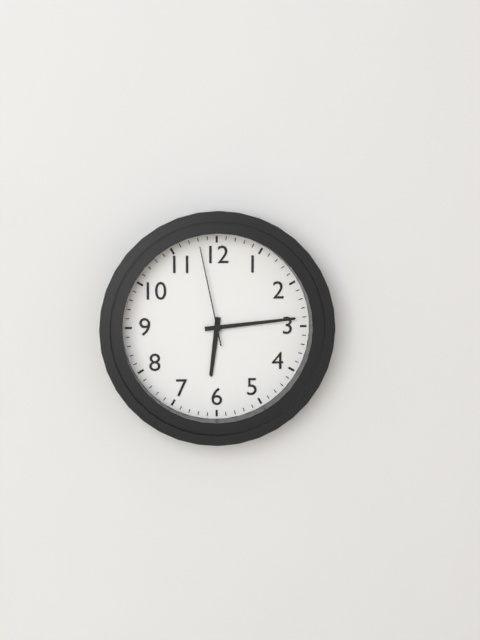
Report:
6h14m58s
